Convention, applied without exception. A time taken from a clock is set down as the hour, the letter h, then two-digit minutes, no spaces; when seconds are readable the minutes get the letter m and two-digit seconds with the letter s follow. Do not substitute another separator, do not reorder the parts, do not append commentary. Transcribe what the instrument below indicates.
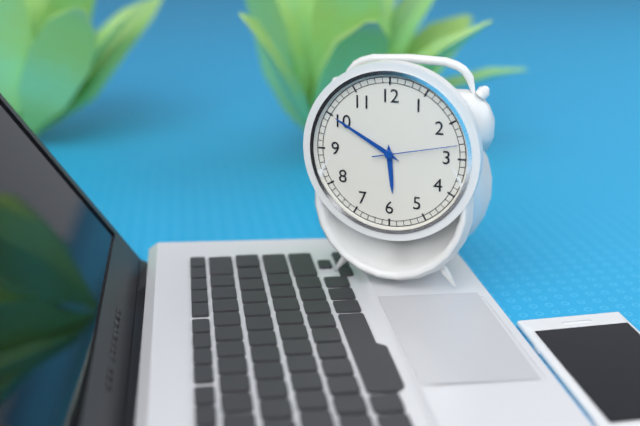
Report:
5h50m13s
